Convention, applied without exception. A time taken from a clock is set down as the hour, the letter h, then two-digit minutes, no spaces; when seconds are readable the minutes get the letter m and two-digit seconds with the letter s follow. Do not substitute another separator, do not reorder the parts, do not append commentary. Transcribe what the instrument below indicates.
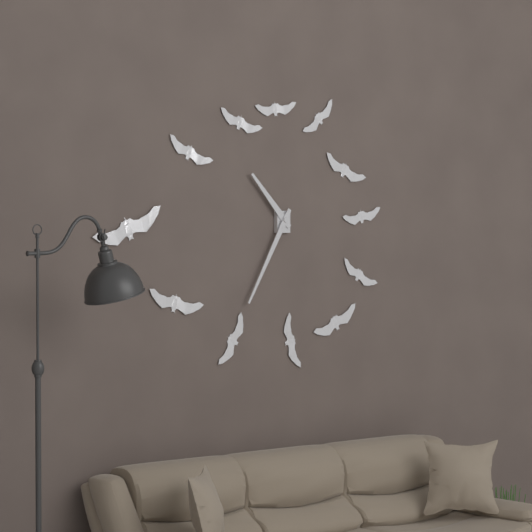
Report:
10h35
